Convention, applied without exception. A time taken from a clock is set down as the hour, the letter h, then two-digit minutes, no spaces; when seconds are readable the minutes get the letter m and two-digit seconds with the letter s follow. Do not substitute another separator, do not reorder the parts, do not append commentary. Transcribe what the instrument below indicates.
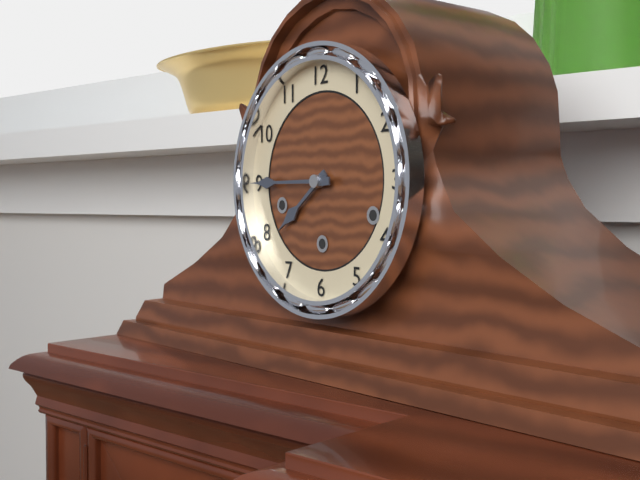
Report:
7h45
